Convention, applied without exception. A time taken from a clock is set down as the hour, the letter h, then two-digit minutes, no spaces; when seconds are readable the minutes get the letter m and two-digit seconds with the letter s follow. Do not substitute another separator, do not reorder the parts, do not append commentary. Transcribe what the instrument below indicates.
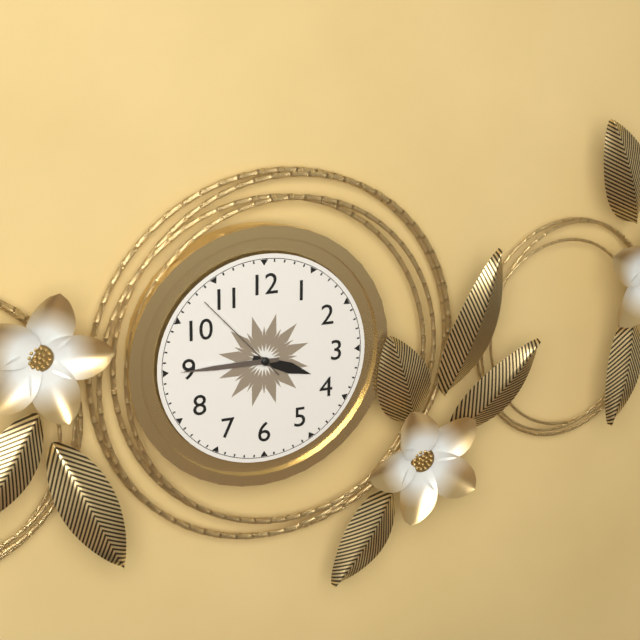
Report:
3h45m53s
